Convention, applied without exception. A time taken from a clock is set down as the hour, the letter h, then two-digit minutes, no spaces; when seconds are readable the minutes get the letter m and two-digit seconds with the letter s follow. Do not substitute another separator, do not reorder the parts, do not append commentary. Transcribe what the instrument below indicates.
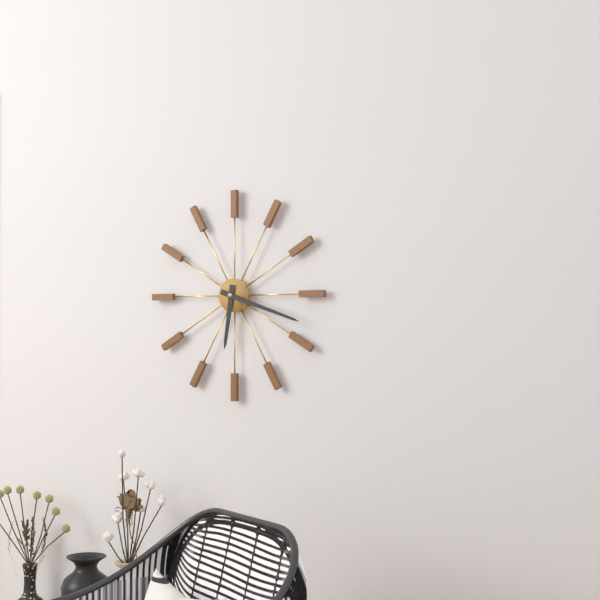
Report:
6h18
